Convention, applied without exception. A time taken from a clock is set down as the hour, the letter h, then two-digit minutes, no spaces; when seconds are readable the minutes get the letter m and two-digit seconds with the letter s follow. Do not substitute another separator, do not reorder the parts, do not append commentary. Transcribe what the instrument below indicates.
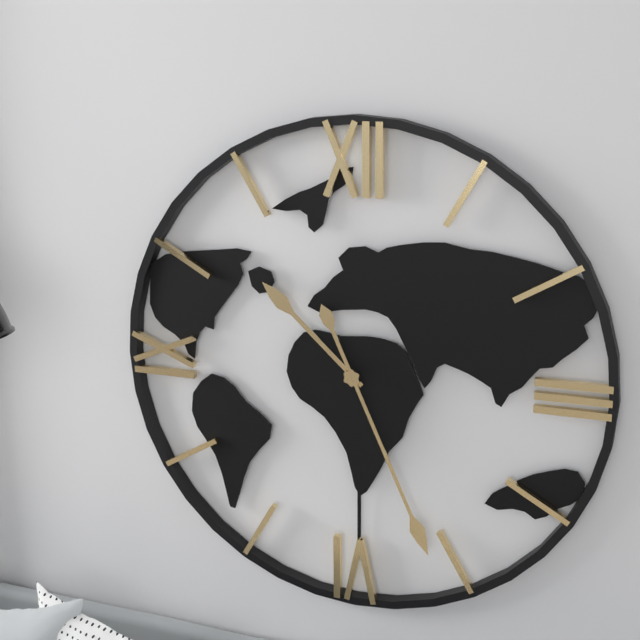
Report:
10h26
